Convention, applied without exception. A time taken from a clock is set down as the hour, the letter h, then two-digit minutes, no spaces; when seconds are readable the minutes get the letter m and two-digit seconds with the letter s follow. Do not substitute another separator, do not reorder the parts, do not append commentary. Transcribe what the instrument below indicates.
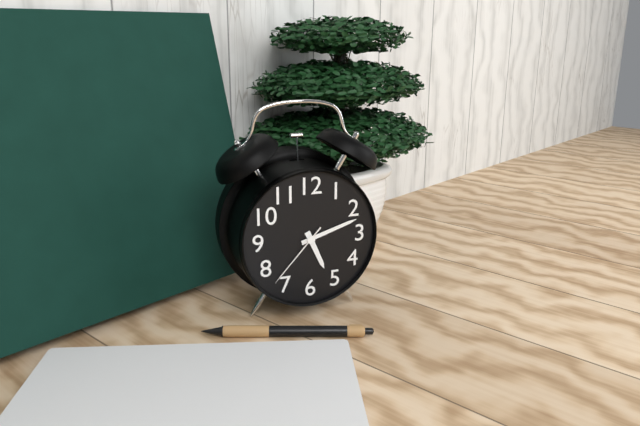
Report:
5h12m37s
